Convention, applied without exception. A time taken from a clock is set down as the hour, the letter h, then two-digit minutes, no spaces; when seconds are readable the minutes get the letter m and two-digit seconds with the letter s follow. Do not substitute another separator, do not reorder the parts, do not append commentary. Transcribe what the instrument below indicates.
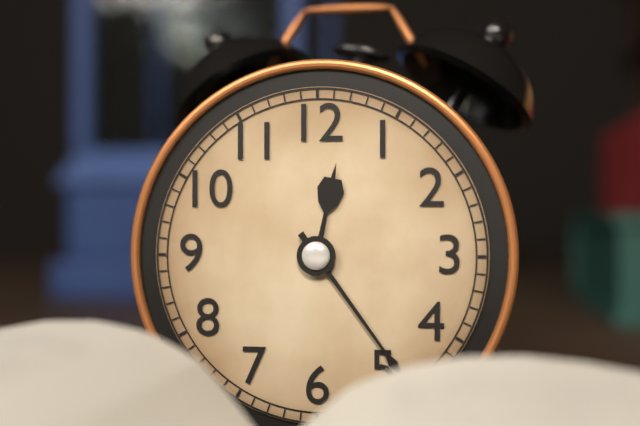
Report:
12h24
